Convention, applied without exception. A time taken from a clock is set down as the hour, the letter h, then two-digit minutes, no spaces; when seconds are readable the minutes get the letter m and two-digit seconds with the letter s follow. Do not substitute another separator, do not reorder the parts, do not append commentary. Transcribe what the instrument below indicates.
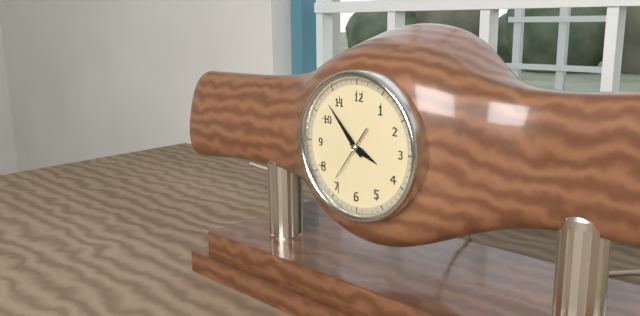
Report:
3h53
